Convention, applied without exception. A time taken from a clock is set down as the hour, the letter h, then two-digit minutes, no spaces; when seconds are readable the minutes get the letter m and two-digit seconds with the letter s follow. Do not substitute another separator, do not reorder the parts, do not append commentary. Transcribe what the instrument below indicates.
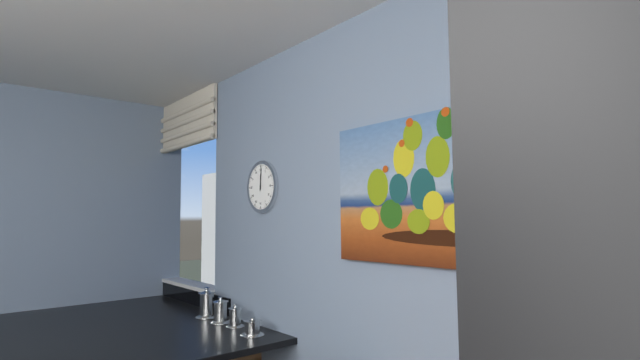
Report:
12h01
